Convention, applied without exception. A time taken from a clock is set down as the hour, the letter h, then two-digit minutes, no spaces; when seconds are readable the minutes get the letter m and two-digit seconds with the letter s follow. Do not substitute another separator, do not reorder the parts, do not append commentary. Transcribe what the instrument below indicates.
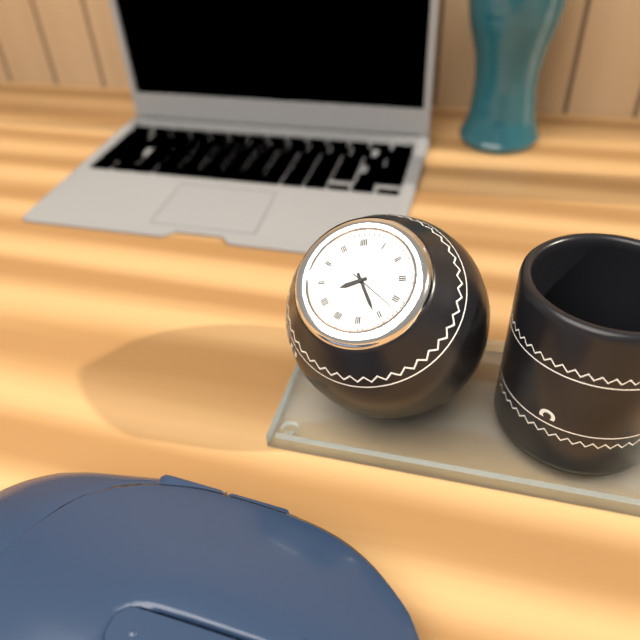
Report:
8h26m22s
